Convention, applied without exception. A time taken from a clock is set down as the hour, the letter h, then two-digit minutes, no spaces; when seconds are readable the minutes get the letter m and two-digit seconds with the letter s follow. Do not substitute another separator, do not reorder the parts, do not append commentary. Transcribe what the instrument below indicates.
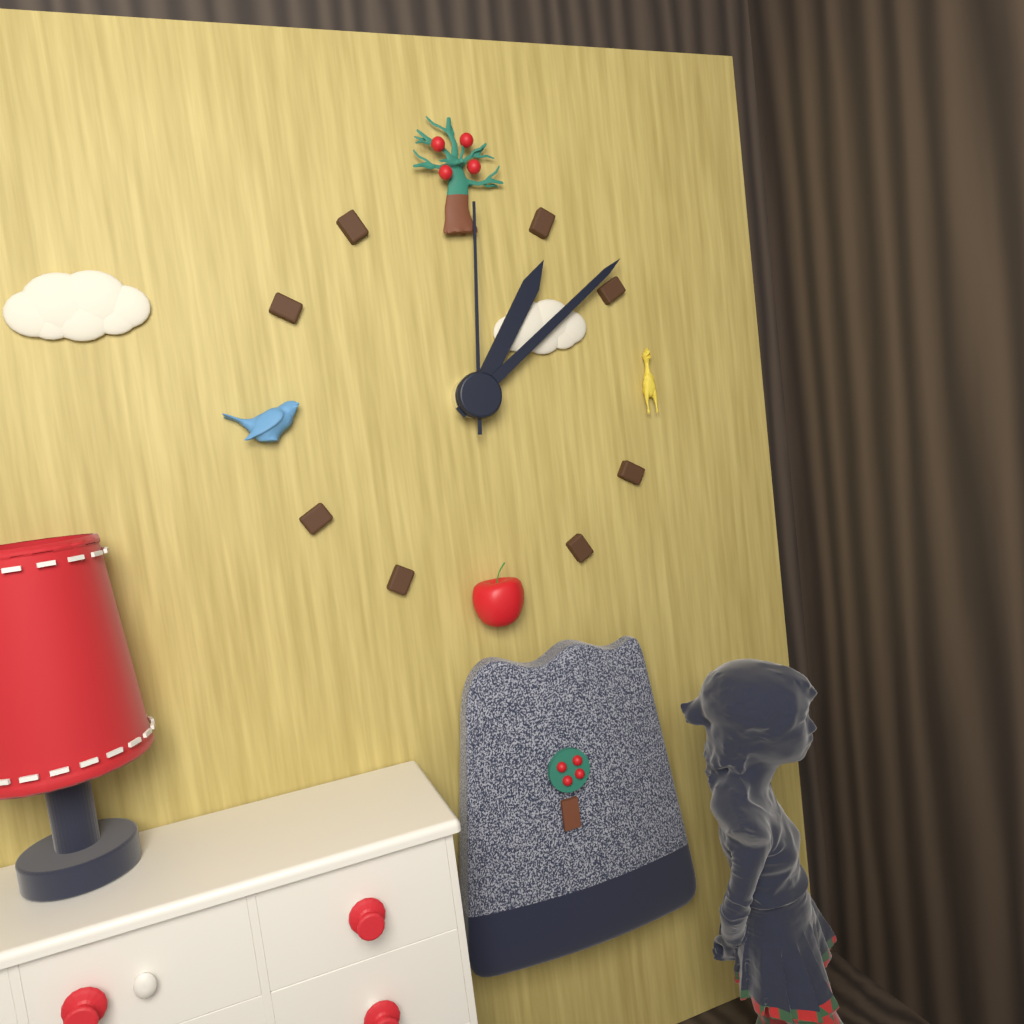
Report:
1h09m01s
